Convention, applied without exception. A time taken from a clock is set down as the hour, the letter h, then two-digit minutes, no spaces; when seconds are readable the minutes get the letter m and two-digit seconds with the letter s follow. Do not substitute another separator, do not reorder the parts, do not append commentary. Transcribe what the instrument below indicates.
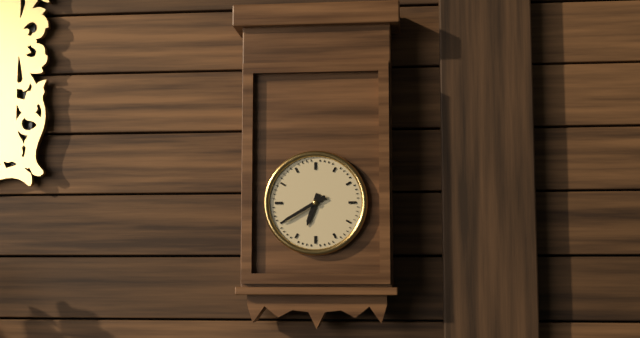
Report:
6h40
